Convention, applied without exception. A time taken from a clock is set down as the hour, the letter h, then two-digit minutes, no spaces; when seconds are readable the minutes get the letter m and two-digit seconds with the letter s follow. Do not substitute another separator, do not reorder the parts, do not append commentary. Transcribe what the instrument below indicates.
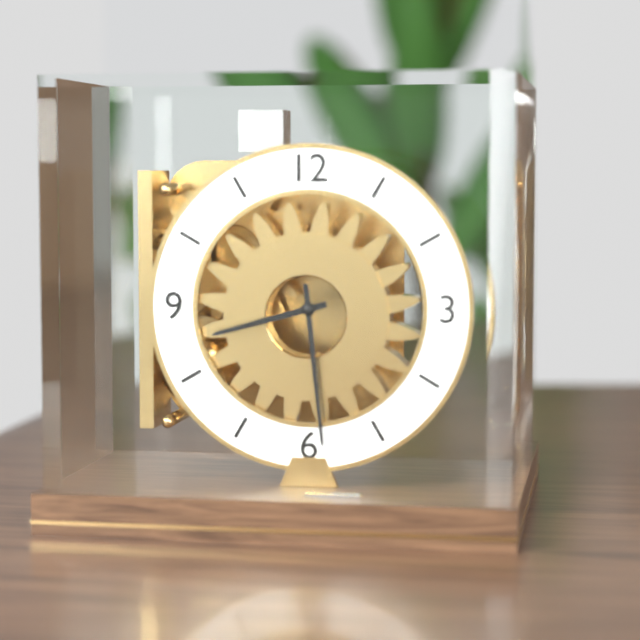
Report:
8h29
